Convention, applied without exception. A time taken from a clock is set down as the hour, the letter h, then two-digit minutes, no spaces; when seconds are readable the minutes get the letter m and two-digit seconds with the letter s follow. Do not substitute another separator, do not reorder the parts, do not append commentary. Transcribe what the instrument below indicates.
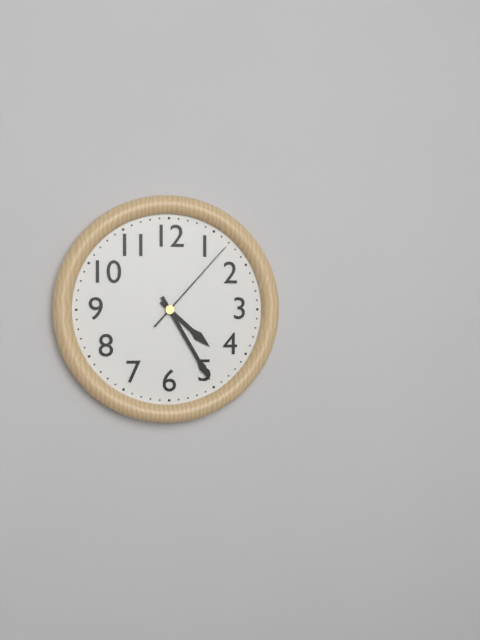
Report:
4h25m07s
